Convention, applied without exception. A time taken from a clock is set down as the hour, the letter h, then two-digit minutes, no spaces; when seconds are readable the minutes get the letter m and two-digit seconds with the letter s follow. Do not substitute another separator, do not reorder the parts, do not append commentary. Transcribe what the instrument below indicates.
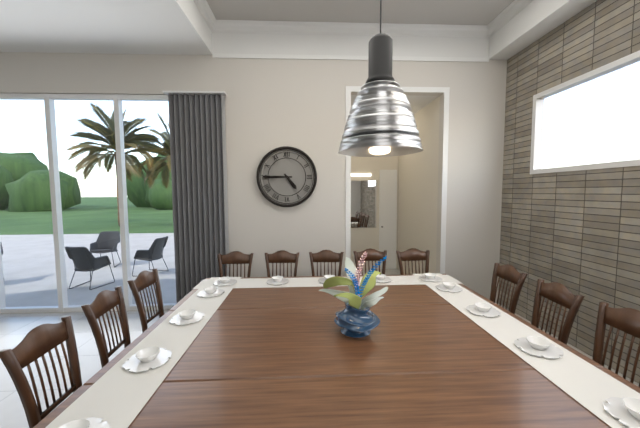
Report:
4h45
